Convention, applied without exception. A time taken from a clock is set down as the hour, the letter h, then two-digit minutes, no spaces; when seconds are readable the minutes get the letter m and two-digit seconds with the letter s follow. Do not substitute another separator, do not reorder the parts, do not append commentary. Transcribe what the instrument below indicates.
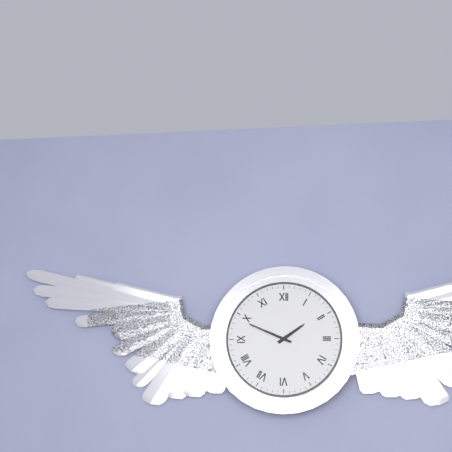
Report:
1h49
